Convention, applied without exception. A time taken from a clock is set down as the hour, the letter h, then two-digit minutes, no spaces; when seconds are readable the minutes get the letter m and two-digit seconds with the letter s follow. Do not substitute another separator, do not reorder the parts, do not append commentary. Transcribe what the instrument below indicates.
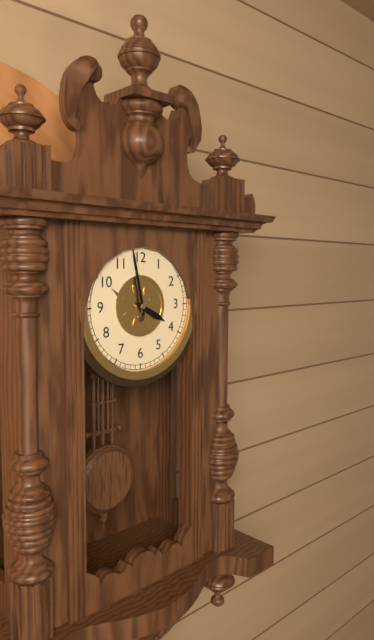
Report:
3h58
